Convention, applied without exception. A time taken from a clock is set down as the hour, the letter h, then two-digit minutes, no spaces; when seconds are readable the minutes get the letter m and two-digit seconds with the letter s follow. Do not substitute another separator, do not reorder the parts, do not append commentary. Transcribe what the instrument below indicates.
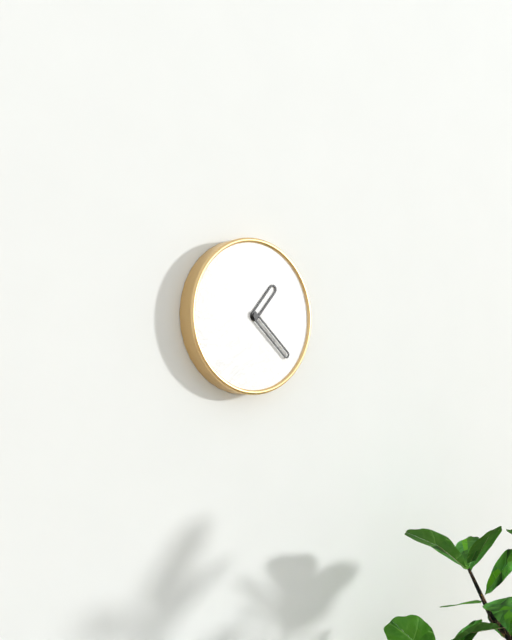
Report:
1h22
